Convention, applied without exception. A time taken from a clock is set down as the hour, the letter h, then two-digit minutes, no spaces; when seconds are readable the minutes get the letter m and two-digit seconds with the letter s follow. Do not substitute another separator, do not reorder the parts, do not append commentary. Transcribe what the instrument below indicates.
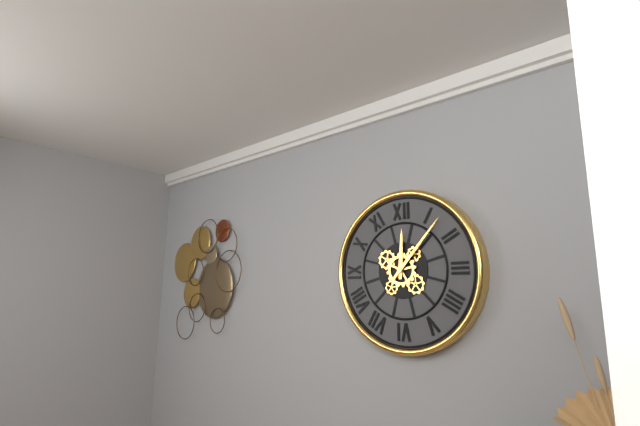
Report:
12h07
